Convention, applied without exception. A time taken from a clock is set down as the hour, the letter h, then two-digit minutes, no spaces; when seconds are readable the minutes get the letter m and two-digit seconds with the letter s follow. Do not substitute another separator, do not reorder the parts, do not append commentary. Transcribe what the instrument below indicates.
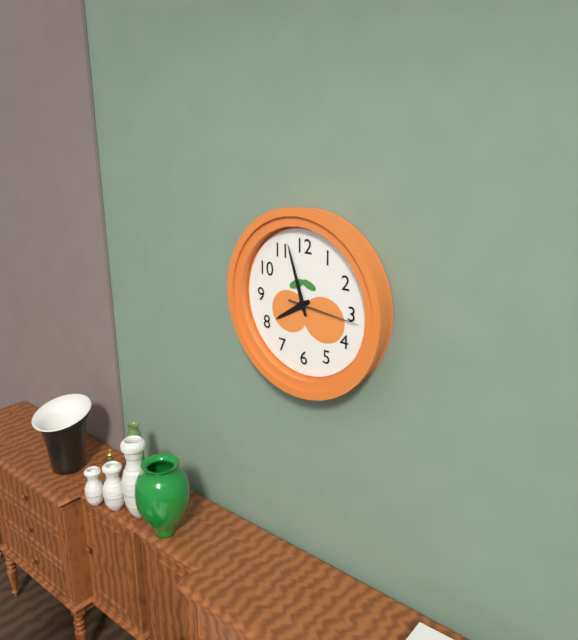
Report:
7h57m16s
